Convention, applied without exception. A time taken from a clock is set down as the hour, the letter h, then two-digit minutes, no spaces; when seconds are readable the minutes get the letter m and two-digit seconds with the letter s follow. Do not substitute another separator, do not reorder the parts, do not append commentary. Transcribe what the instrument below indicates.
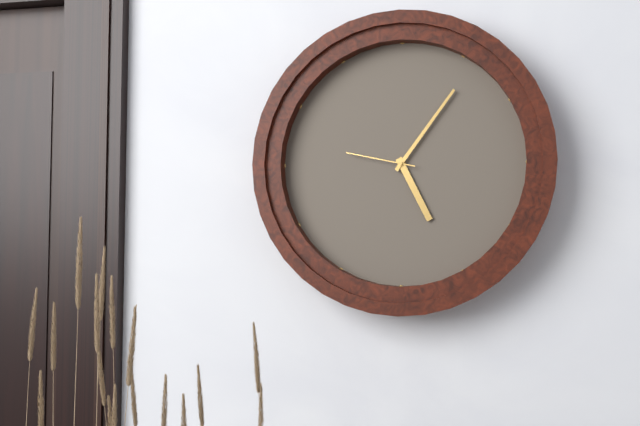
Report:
5h06m47s
